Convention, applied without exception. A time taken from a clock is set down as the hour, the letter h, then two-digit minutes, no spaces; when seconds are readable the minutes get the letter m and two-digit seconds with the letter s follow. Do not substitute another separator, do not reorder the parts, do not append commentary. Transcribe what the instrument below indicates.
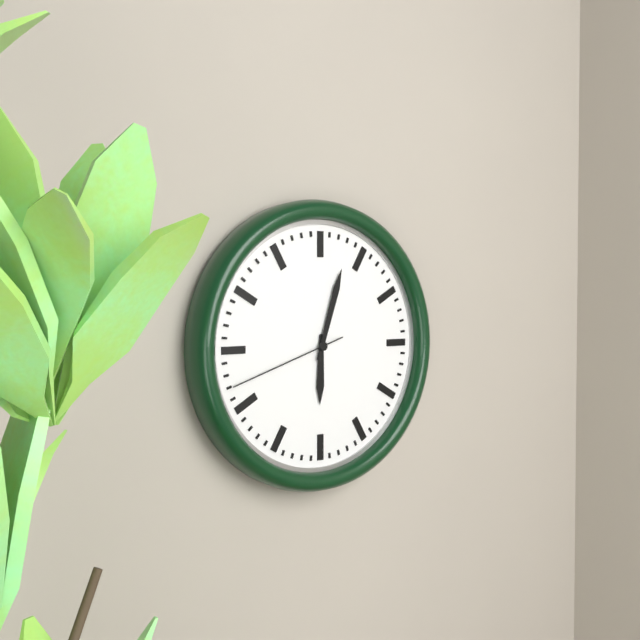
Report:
6h03m42s
